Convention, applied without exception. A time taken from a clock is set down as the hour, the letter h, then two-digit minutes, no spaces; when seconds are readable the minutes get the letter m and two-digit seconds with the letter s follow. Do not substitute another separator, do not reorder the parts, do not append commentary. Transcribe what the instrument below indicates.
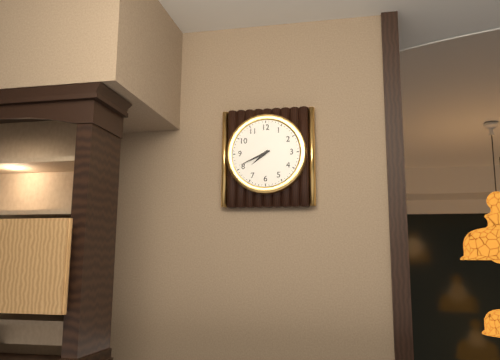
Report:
7h41
